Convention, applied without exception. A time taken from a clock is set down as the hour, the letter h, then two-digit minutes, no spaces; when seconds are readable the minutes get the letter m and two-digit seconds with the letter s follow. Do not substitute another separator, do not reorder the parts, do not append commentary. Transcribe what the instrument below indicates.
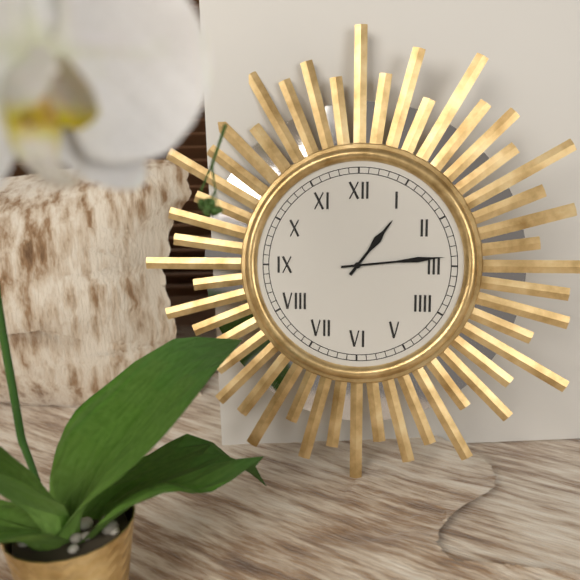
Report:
1h14
